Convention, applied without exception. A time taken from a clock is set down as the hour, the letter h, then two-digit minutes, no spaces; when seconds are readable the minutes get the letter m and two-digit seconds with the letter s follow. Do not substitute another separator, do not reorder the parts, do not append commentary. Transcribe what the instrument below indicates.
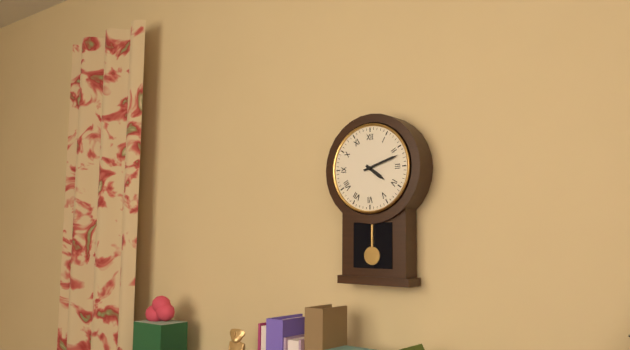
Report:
4h12
